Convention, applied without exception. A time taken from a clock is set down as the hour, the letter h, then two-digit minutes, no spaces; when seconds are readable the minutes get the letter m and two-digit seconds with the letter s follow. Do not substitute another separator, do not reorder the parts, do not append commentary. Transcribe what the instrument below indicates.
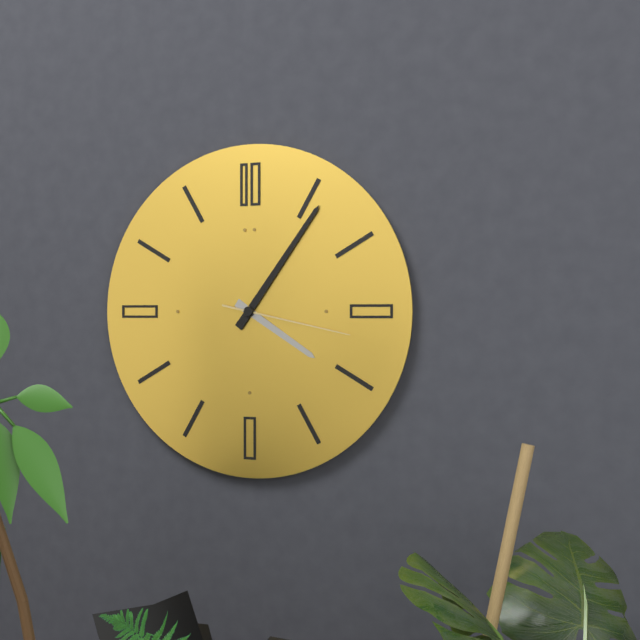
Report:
4h06m17s
